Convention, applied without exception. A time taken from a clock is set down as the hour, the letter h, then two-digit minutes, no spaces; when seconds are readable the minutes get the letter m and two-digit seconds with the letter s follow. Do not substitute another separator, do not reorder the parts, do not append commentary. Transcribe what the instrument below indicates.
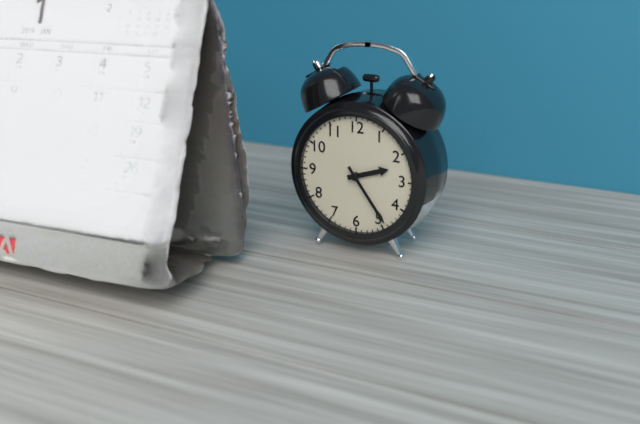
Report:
2h24
